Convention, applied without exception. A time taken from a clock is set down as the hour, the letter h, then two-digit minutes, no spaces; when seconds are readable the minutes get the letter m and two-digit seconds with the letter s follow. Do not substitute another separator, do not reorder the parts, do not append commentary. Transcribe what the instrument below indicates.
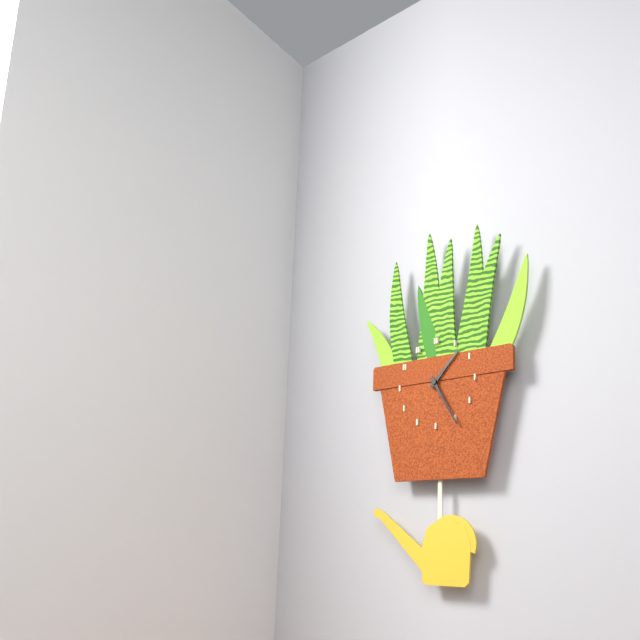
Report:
1h25
